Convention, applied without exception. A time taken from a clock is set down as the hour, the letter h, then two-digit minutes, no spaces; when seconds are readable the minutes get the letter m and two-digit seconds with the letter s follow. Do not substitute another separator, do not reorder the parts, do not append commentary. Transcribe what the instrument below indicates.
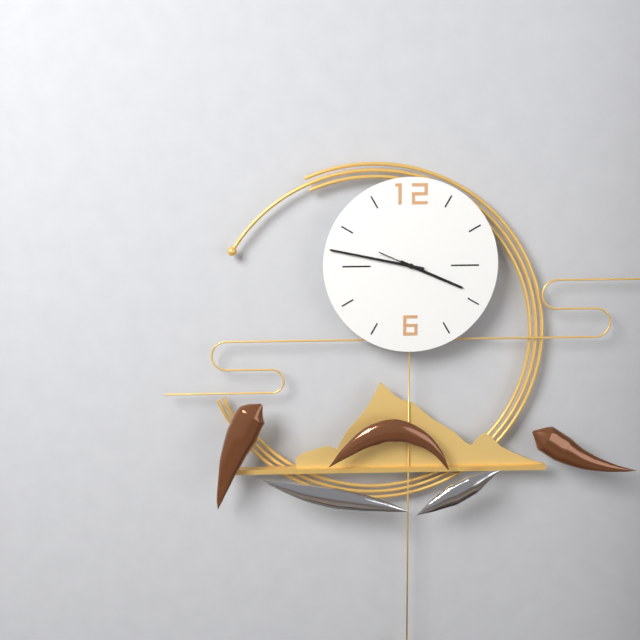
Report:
3h47m19s
